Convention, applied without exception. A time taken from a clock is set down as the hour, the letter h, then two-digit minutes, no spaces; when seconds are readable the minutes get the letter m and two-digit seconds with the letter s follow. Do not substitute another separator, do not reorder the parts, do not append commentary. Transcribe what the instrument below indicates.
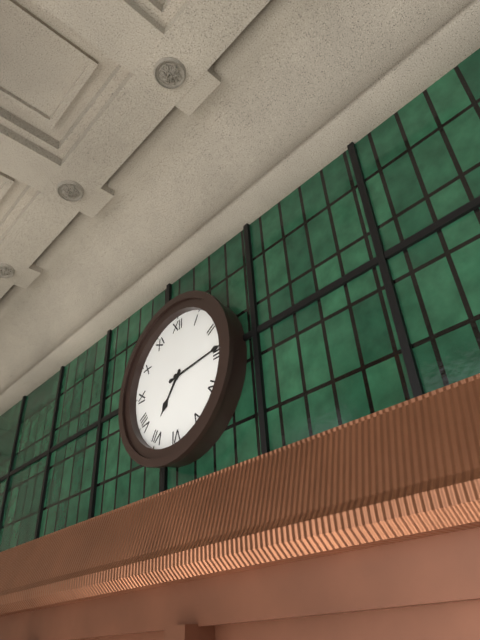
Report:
7h14
